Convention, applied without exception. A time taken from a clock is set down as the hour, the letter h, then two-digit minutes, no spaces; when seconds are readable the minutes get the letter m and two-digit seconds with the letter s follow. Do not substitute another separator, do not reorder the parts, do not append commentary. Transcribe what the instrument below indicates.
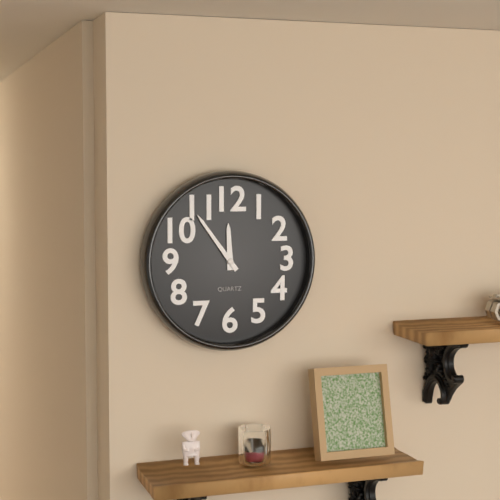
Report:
11h54
